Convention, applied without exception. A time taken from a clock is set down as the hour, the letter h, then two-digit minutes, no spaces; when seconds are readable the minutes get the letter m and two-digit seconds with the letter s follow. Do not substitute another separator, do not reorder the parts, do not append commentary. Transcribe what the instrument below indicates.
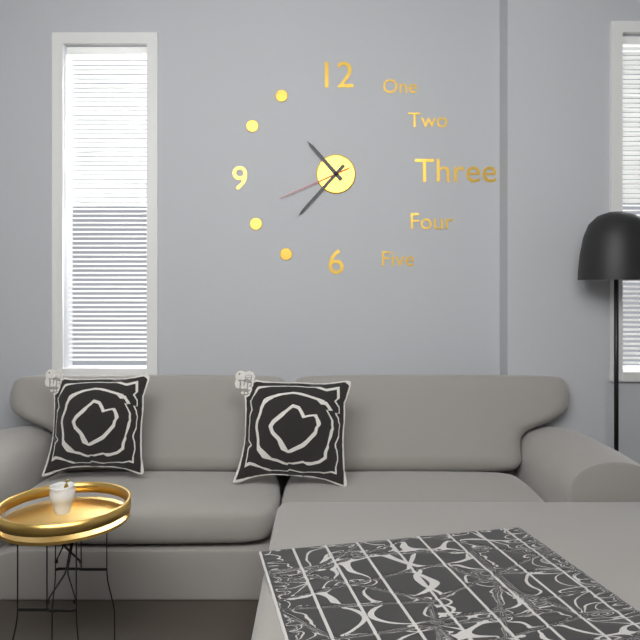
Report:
10h37m41s
